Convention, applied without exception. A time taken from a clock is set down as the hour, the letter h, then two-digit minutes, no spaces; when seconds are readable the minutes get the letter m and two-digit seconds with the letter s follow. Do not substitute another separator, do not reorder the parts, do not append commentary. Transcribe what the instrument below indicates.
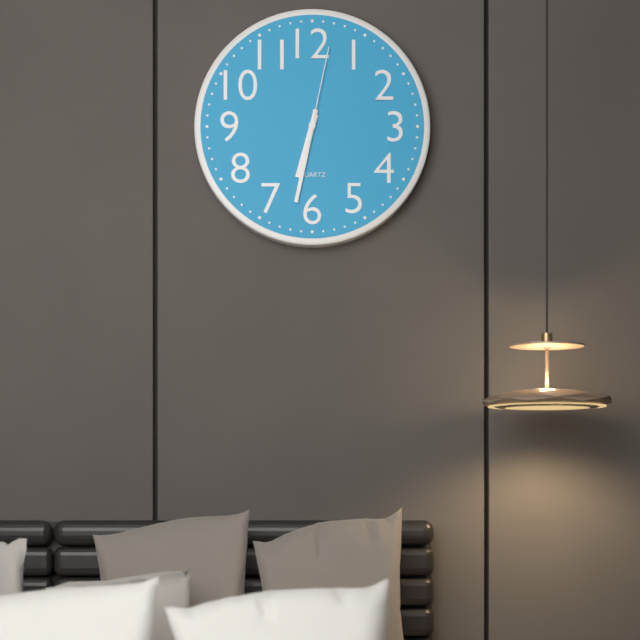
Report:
6h32m02s
